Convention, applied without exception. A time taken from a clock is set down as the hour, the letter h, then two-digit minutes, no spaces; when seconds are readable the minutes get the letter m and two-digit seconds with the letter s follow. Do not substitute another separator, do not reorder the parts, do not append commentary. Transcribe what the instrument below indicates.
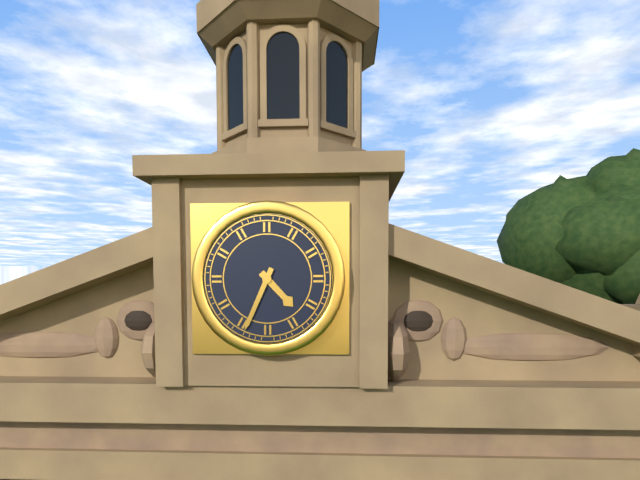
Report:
4h34
